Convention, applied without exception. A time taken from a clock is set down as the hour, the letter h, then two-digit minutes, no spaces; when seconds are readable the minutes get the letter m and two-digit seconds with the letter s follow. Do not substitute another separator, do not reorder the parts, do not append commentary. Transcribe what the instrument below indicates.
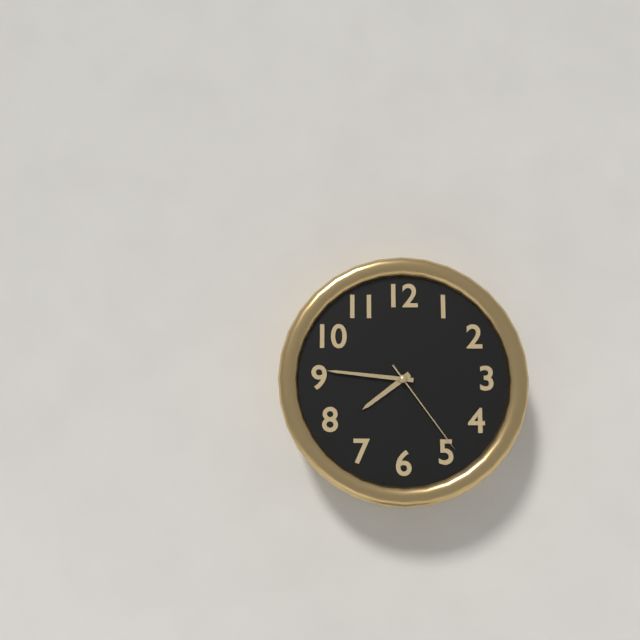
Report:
7h46m24s
